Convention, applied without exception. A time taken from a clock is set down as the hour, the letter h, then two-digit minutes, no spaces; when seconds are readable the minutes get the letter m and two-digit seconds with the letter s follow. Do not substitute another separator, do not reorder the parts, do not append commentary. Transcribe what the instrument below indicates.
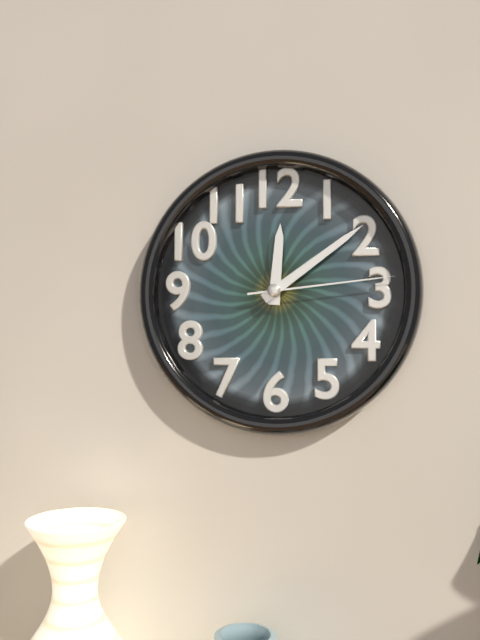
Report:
12h09m14s
